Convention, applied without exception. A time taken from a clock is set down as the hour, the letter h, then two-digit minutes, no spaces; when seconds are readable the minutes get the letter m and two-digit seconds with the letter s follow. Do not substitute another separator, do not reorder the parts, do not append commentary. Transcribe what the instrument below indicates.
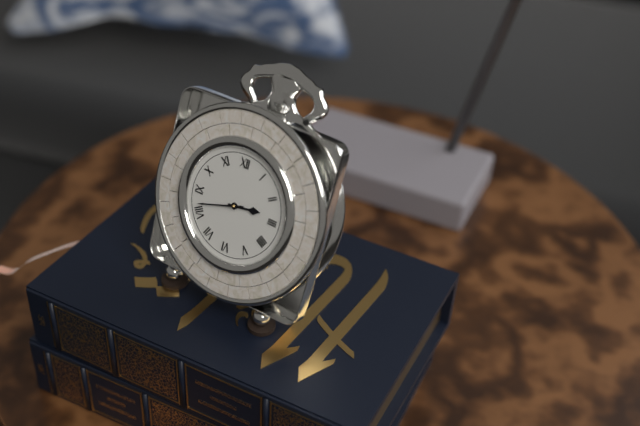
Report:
2h42
